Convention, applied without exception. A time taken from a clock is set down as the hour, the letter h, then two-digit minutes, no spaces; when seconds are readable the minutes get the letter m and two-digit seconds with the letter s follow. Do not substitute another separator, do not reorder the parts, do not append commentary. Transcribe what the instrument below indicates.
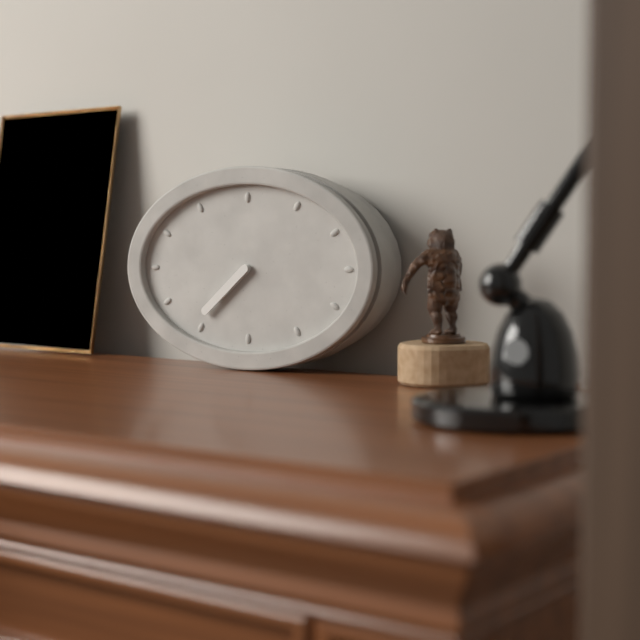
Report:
7h38
